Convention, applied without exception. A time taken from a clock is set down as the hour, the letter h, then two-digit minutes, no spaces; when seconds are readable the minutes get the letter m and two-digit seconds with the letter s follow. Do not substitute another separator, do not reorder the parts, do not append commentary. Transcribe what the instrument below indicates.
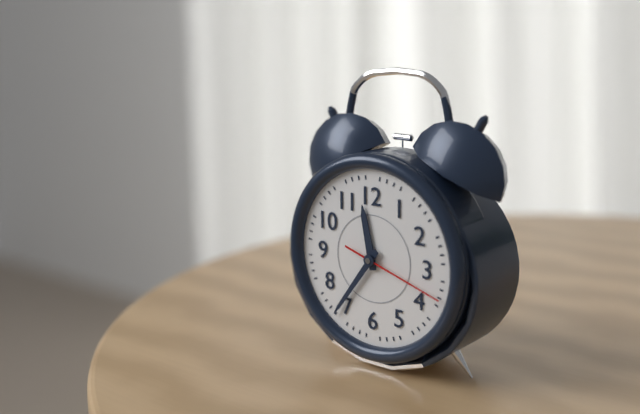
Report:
11h36m18s
